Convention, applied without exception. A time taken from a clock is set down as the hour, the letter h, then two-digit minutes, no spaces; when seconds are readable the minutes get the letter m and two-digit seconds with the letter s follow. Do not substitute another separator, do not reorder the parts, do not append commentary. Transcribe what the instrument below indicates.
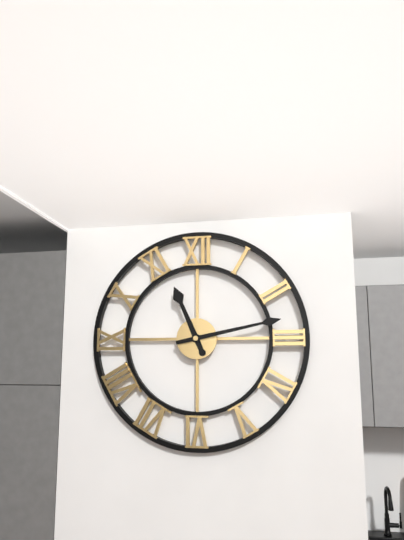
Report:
11h13
